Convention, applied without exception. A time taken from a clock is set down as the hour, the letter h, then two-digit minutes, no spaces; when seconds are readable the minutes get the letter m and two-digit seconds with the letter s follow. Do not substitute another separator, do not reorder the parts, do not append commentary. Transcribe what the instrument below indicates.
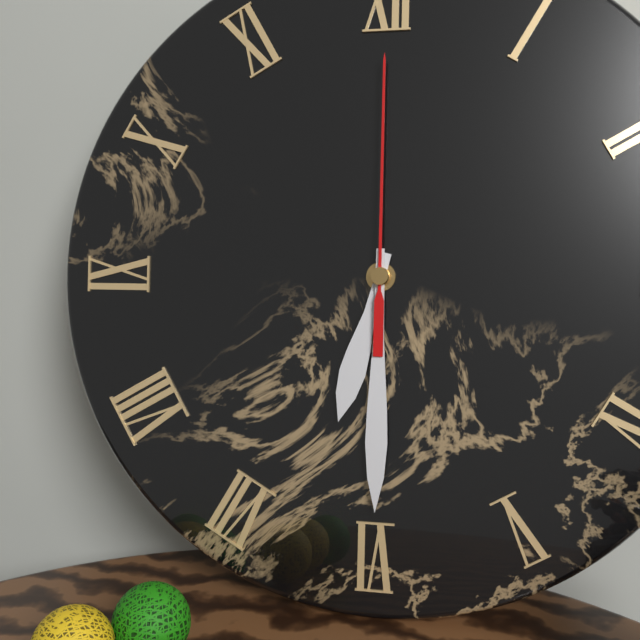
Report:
6h30m00s
